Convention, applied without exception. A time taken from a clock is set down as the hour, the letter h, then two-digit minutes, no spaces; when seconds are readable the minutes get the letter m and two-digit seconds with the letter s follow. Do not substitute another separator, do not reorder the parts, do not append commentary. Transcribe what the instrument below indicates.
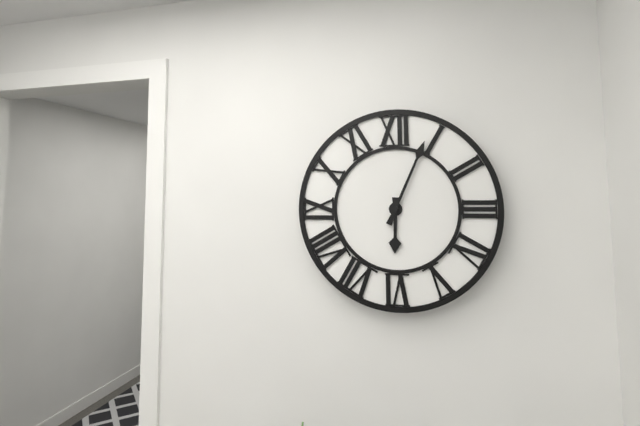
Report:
6h04
